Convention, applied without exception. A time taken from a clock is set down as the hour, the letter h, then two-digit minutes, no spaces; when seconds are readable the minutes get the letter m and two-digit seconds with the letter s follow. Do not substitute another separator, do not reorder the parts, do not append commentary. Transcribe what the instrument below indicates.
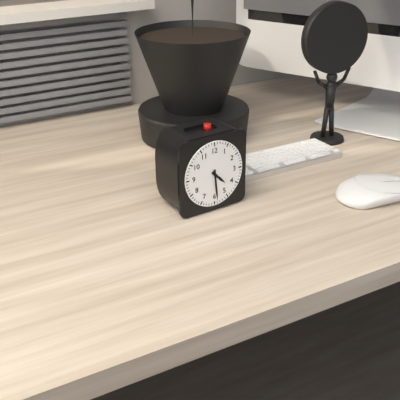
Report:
4h29
